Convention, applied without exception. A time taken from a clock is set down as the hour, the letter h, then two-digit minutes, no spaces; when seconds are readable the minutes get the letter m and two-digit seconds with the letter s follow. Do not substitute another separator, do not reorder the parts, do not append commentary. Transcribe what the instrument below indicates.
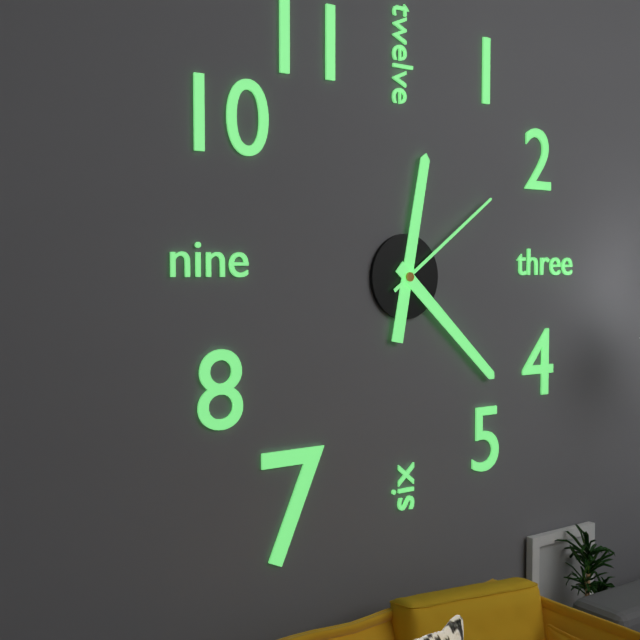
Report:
12h22m09s
